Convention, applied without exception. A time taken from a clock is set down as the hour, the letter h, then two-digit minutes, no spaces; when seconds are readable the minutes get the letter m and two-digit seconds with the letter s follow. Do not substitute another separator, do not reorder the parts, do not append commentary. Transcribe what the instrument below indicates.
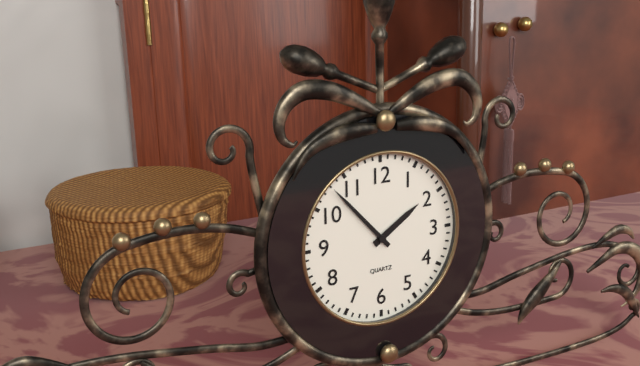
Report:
1h53
